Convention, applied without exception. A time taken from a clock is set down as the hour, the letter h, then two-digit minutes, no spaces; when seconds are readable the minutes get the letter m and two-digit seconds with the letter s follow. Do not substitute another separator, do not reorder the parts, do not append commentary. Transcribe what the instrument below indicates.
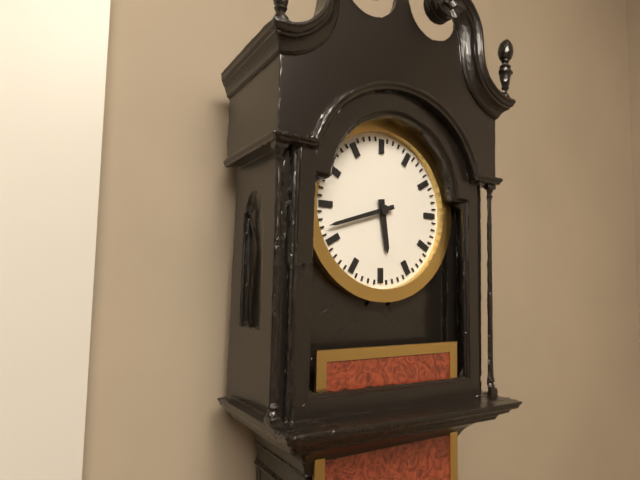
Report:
5h42
